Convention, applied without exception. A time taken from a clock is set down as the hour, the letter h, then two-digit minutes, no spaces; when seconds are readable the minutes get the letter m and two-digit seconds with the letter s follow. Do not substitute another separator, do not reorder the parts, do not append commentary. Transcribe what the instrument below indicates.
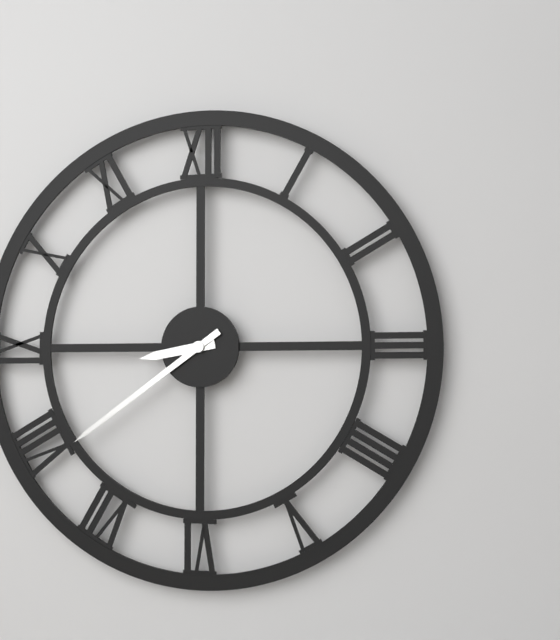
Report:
8h39
